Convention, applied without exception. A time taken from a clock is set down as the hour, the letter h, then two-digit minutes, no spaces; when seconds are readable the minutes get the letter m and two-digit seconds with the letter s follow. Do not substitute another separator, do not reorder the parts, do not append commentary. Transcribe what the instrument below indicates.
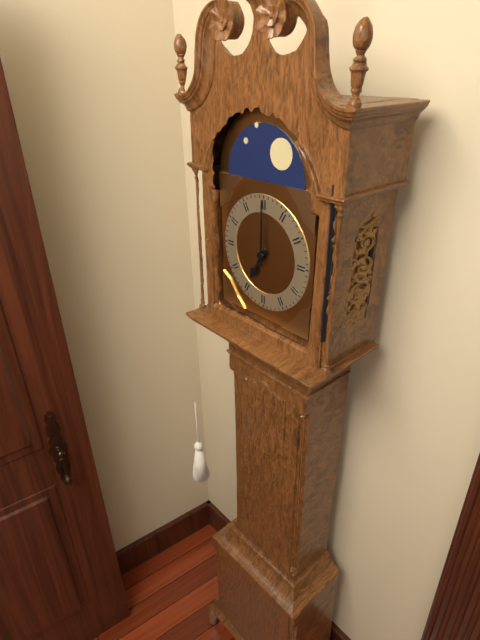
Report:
7h00
